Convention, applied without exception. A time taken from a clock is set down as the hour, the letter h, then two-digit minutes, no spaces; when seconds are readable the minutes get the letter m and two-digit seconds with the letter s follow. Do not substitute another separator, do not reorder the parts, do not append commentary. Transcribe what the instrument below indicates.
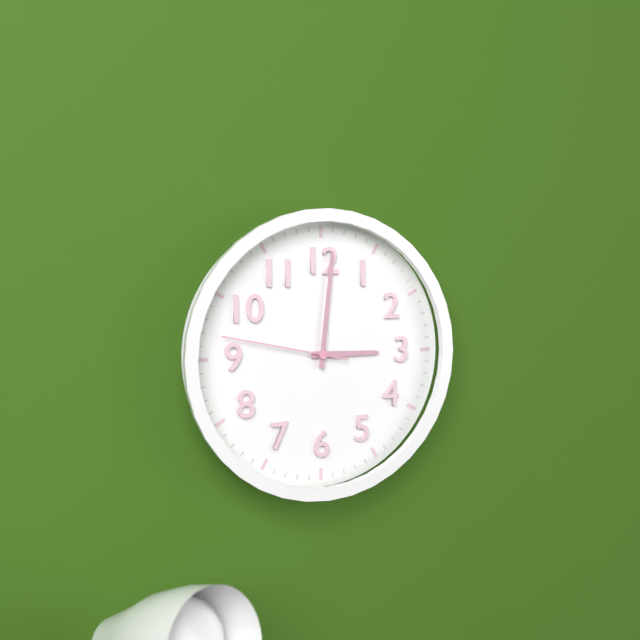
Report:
3h01m47s
